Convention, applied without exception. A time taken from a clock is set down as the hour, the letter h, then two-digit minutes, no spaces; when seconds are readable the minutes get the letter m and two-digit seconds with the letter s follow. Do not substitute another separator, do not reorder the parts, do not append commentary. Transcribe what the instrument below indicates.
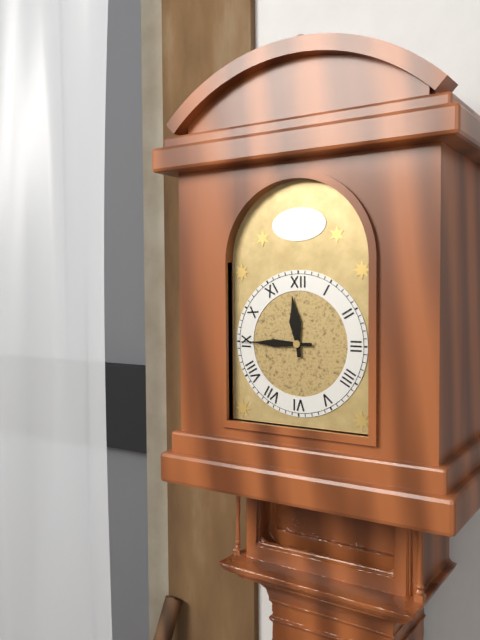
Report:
11h45
